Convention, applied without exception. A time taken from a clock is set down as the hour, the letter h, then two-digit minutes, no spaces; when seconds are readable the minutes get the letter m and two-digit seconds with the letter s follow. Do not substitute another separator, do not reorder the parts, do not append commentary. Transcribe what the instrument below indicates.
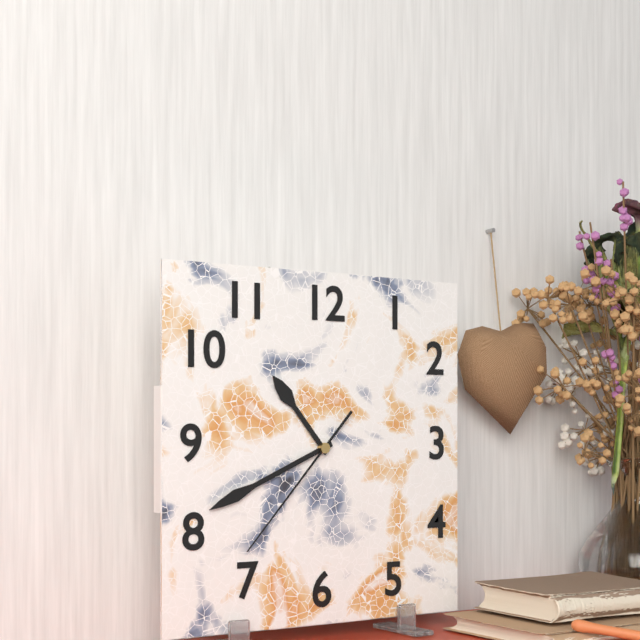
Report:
10h41m37s
